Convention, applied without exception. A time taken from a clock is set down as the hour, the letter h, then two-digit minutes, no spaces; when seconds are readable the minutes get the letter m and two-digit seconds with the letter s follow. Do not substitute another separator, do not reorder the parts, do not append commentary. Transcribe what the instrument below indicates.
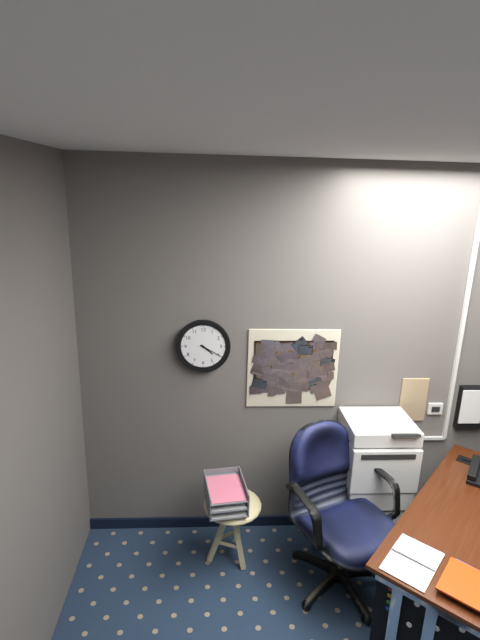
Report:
4h20
